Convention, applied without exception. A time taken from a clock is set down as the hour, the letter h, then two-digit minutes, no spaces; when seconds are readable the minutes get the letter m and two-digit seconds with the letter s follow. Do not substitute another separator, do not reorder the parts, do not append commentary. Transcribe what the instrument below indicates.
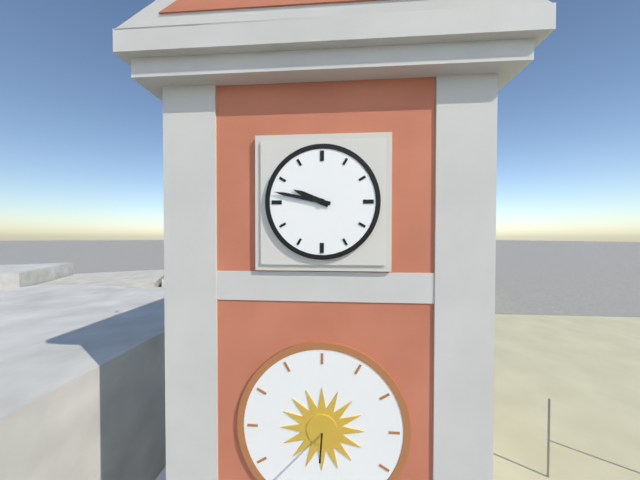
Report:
9h47
